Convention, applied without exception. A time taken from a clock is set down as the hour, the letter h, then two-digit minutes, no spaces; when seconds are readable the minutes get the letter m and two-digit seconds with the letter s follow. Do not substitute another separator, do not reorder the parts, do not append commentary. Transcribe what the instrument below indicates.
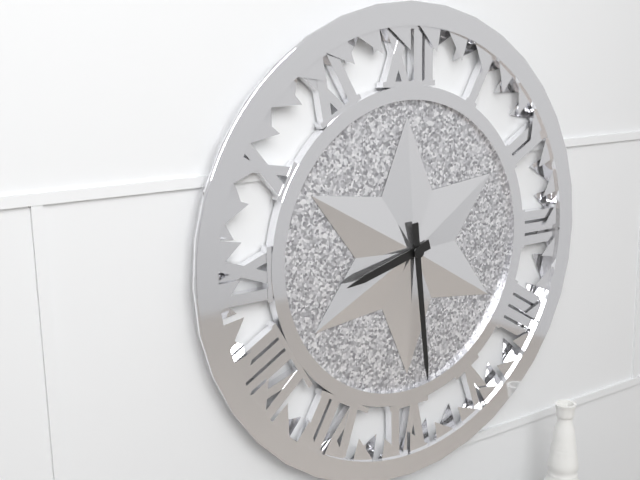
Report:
8h29
